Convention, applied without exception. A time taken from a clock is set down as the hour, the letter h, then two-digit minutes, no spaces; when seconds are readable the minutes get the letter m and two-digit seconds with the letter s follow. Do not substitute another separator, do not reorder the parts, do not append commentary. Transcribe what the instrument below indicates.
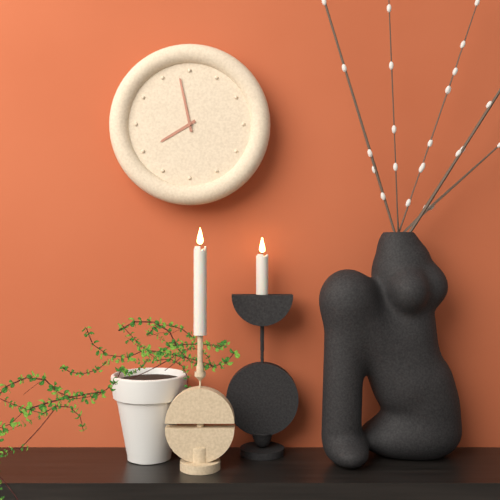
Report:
7h58
